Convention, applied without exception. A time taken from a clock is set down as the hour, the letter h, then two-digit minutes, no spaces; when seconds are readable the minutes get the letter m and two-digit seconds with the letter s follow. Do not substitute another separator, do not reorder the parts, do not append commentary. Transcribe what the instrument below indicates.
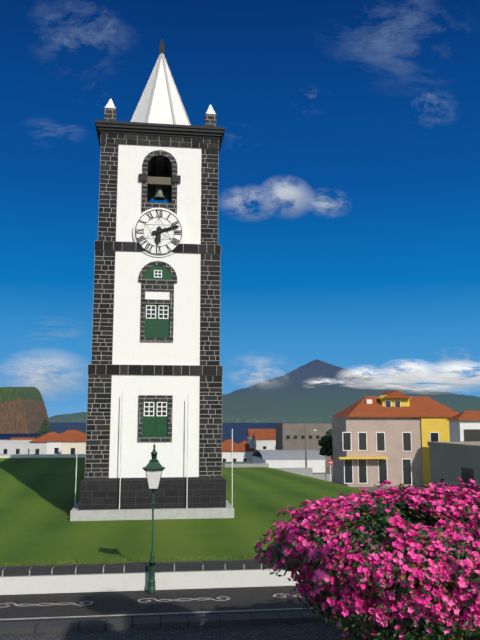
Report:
6h12
